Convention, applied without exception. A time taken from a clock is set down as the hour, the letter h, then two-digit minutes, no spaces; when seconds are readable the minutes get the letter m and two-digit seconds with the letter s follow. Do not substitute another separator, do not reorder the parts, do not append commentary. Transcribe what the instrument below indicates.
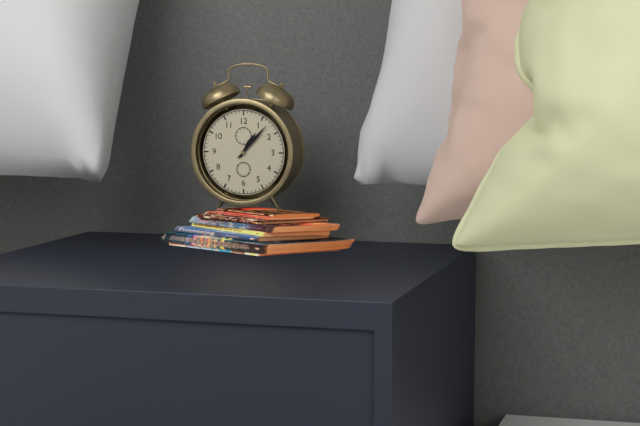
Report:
1h07
